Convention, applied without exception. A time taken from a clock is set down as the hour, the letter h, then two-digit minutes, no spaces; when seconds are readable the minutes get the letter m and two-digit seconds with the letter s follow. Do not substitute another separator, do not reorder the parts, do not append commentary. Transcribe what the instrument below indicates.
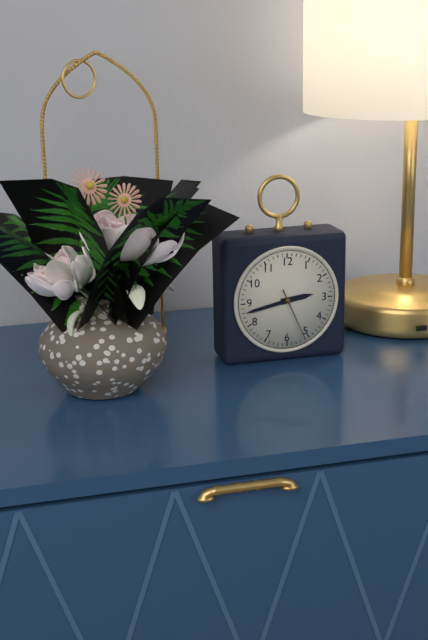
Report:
2h43m26s
